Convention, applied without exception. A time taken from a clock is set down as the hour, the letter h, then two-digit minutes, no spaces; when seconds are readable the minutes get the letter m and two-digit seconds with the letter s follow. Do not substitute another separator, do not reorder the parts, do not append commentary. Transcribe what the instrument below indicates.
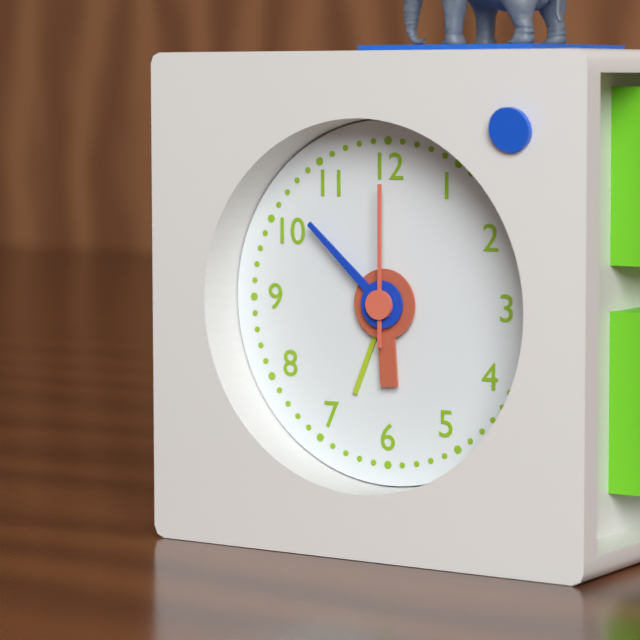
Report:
5h52m00s
